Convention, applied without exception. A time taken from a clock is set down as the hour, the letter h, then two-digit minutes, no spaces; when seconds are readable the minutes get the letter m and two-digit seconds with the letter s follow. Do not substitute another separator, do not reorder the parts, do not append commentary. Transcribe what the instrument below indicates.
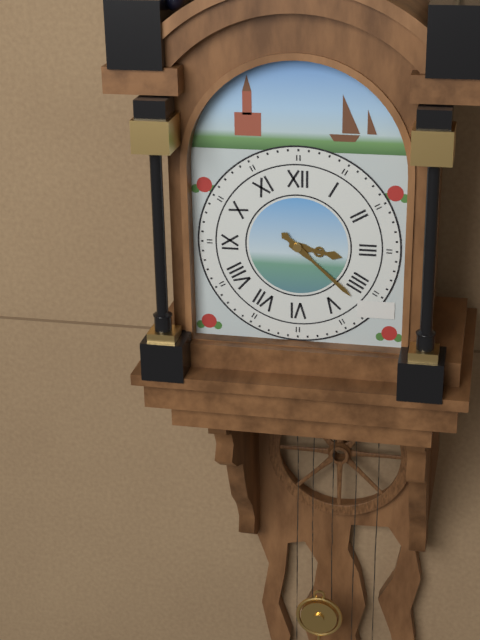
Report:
3h22
